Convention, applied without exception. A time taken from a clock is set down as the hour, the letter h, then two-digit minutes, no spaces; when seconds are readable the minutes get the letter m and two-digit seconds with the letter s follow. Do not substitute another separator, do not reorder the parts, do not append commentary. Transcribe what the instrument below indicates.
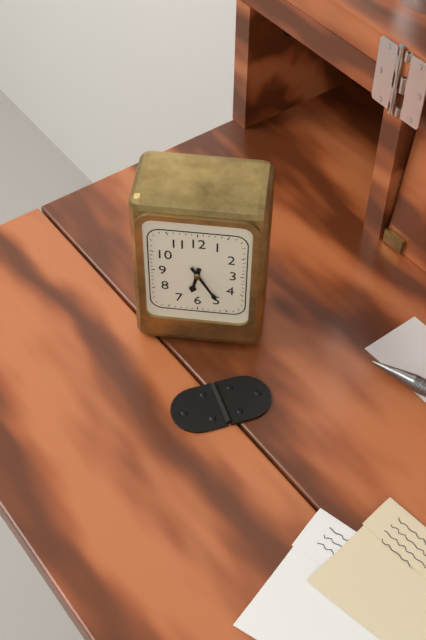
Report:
6h25
